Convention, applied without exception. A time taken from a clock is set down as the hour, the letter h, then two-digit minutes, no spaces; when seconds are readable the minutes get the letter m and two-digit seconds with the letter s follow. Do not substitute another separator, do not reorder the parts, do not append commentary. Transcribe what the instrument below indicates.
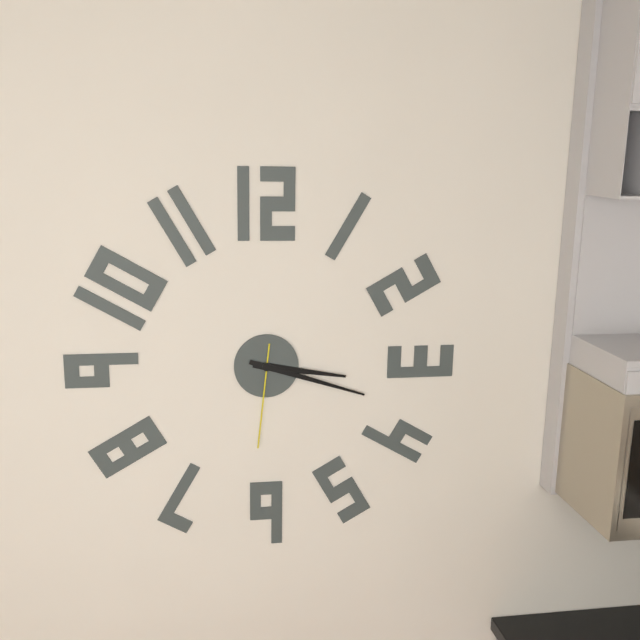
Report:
3h18m31s
